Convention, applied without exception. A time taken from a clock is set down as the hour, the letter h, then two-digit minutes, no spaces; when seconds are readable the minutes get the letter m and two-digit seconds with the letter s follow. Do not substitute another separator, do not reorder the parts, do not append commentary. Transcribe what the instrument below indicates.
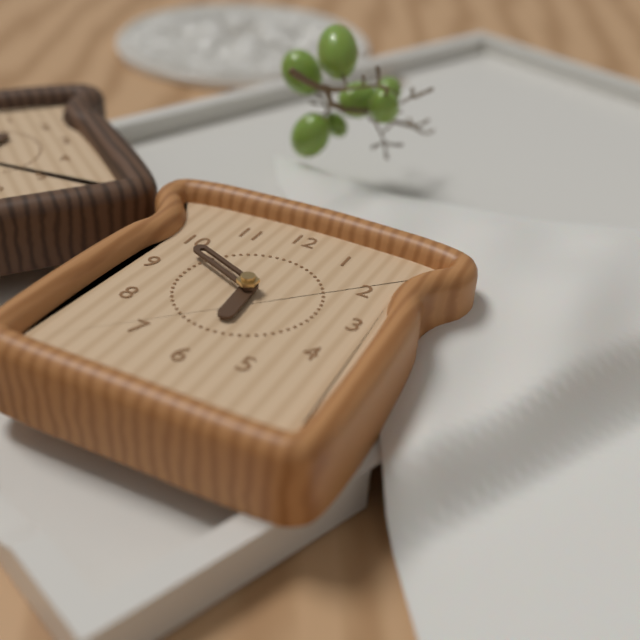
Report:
5h49
